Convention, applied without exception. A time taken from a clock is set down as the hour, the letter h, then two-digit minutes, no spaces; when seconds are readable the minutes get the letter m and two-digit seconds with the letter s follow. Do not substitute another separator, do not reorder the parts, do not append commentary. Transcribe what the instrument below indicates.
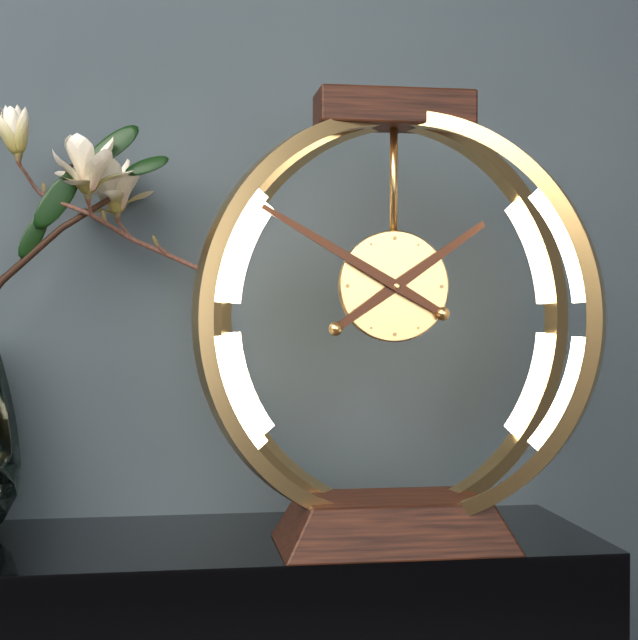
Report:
1h50
